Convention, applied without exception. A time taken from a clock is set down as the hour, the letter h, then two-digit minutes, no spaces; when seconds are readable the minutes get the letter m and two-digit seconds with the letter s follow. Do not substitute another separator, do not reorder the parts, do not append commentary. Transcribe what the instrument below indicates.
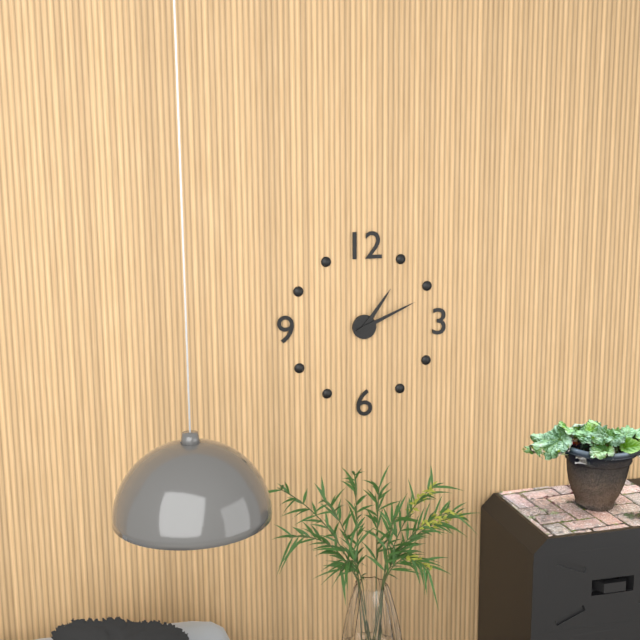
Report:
1h11
